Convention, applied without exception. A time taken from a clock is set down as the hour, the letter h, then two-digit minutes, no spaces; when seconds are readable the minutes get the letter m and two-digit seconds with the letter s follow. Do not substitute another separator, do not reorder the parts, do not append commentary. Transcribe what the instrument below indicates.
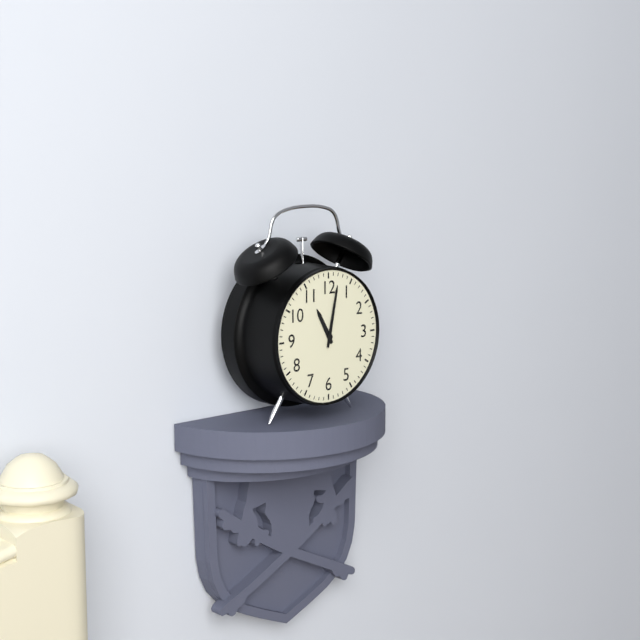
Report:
11h02
